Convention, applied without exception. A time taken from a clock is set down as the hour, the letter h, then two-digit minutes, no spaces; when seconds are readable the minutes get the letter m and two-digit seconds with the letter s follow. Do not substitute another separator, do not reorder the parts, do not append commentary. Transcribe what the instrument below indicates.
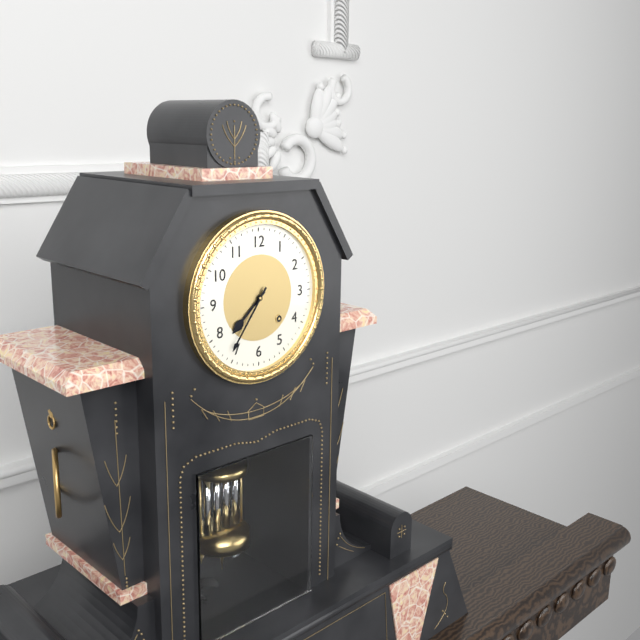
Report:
7h36
